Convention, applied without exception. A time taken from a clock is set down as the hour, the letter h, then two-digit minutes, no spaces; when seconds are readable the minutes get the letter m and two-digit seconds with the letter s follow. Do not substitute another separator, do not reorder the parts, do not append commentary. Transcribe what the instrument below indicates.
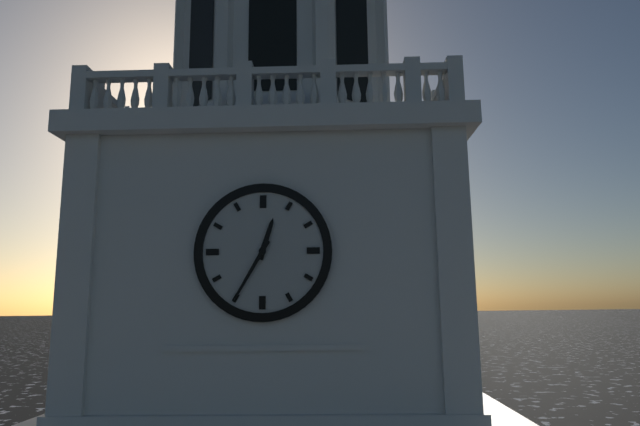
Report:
12h35
